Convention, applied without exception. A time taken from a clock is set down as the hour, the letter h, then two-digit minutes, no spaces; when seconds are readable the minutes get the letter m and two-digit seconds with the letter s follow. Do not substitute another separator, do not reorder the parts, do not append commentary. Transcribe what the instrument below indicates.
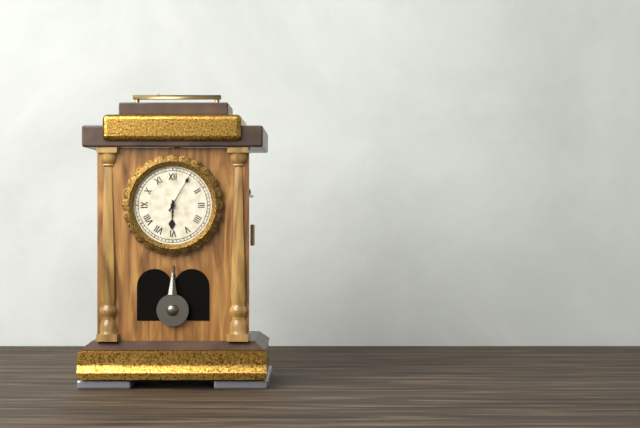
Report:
6h05
